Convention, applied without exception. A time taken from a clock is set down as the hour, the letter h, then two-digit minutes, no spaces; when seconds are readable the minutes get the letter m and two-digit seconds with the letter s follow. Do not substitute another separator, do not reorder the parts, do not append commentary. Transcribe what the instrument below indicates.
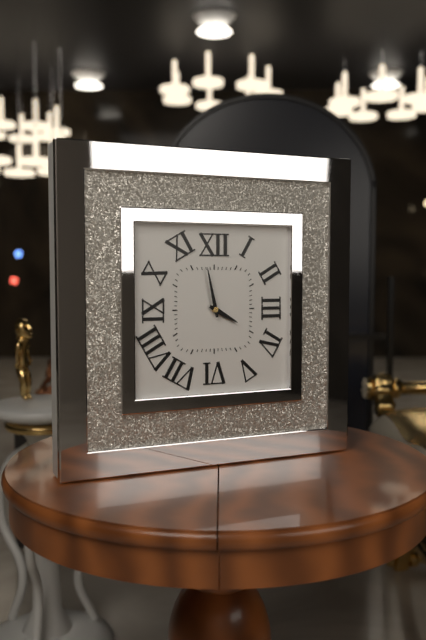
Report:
3h58
